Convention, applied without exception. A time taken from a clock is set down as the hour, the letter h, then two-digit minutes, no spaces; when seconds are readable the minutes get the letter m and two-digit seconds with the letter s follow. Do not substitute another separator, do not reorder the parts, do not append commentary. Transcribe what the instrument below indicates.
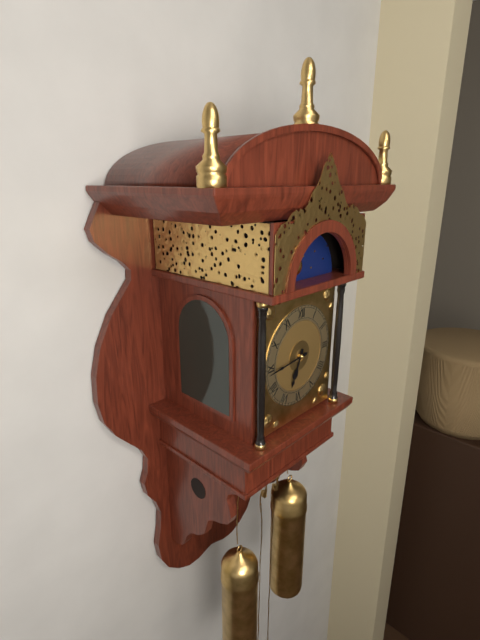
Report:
6h44
